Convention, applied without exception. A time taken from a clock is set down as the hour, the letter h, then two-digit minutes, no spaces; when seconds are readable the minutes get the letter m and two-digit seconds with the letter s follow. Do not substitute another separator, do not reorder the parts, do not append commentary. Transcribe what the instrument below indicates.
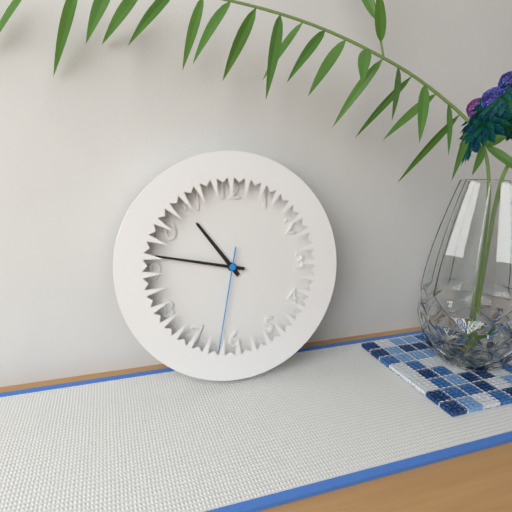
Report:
10h47m32s
